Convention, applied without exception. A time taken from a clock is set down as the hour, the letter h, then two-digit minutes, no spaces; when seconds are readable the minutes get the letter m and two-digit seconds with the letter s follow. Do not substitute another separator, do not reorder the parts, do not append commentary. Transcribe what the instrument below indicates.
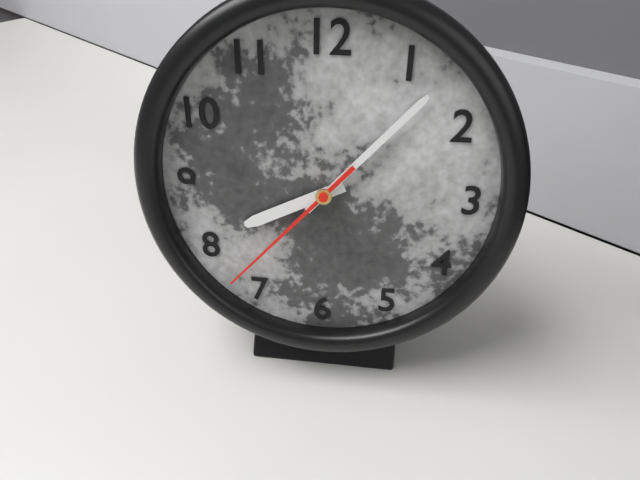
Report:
8h07m37s
